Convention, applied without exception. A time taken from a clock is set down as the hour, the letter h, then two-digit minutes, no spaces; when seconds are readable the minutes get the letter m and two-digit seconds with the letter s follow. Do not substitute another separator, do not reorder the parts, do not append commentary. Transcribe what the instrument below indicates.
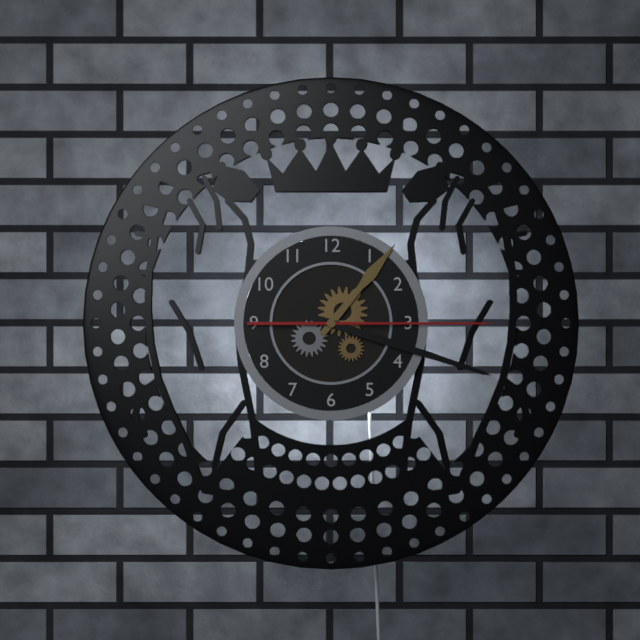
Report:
1h18m15s
